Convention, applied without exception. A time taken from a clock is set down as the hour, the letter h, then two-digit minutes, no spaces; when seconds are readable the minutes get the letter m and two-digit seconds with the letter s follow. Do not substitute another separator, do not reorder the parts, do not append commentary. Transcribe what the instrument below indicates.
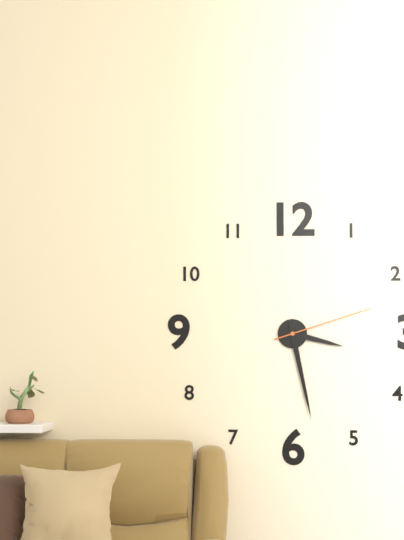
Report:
3h28m12s
